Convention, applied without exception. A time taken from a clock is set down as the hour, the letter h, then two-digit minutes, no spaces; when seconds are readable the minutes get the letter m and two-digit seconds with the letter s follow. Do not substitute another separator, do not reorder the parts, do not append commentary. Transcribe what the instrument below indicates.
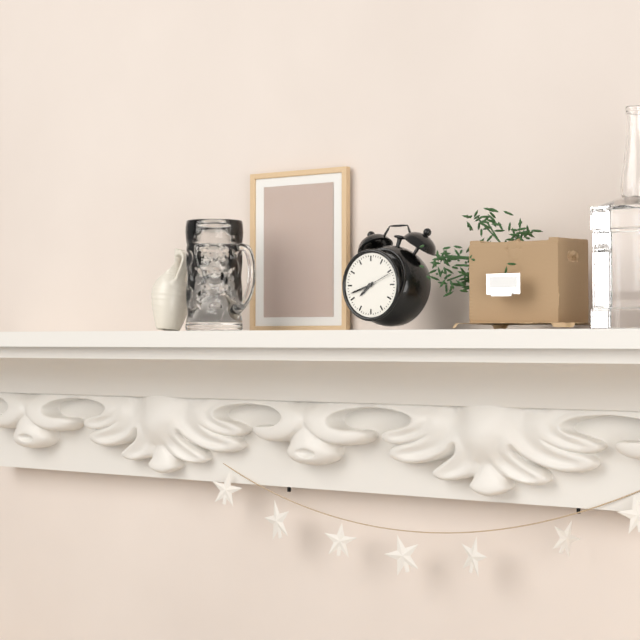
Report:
7h42
